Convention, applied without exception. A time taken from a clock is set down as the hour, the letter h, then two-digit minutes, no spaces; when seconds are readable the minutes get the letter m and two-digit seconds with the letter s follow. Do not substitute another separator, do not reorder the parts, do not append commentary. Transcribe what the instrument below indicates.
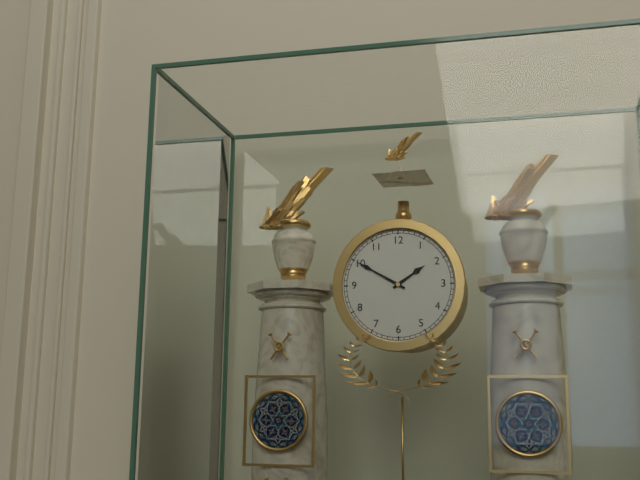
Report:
1h50
